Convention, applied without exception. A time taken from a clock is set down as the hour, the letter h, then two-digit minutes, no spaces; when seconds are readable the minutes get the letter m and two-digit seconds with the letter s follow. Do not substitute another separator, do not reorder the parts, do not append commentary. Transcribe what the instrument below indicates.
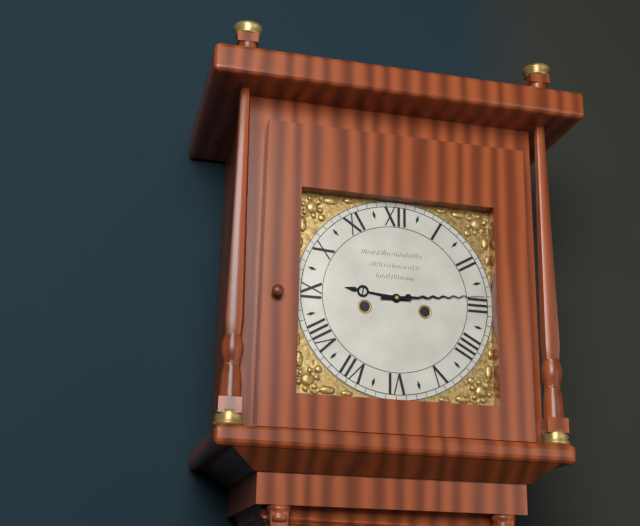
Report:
9h14
